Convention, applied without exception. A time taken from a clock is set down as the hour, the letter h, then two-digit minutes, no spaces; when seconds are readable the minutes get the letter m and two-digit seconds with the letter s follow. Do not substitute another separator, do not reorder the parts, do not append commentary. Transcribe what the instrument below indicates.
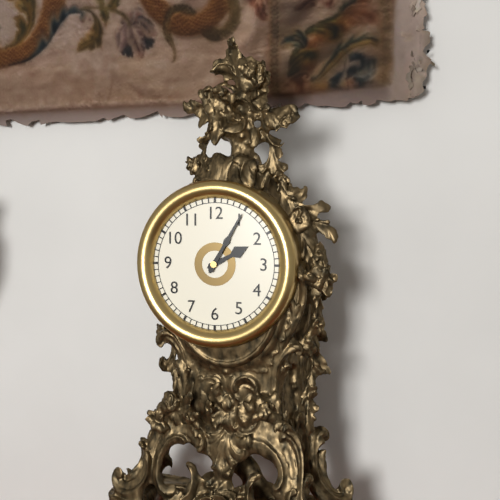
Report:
2h05
